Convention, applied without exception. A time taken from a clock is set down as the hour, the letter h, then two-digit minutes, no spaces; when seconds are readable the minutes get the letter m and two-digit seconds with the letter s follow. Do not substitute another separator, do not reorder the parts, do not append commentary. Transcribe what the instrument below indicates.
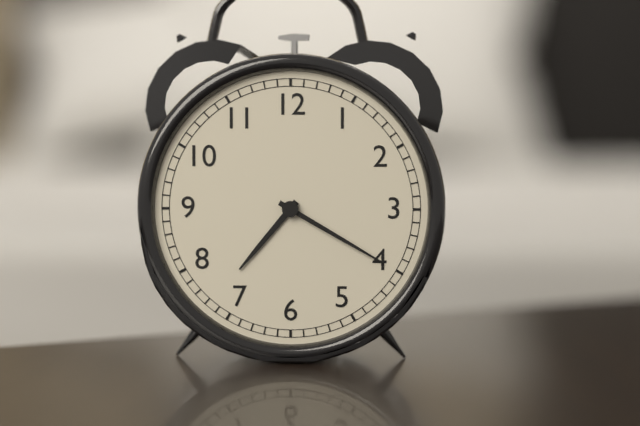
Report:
7h20
